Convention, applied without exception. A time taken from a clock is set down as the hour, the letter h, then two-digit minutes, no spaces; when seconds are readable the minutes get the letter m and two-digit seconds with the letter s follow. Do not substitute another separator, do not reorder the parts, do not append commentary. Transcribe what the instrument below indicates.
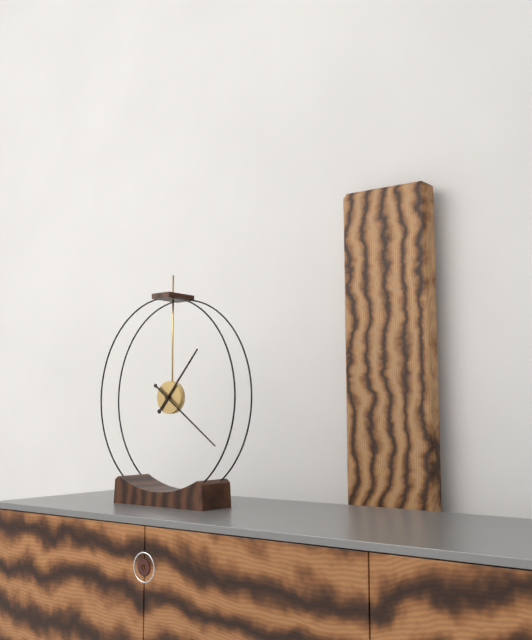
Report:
1h21
